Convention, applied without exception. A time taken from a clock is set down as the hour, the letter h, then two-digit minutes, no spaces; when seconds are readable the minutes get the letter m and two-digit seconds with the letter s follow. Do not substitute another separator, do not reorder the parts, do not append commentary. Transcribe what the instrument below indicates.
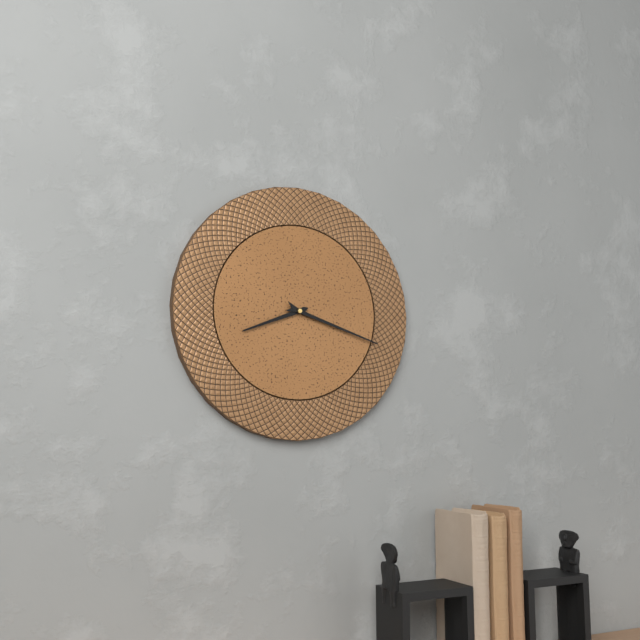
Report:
8h18
